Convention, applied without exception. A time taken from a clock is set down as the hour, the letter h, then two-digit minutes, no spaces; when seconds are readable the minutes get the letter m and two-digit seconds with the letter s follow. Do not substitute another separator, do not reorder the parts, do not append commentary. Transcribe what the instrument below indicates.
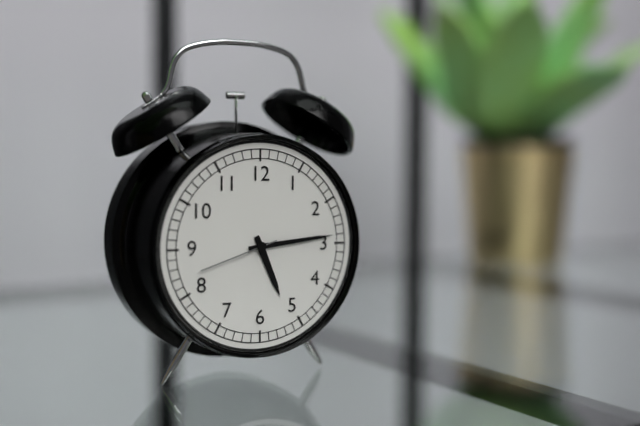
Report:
5h14m42s
